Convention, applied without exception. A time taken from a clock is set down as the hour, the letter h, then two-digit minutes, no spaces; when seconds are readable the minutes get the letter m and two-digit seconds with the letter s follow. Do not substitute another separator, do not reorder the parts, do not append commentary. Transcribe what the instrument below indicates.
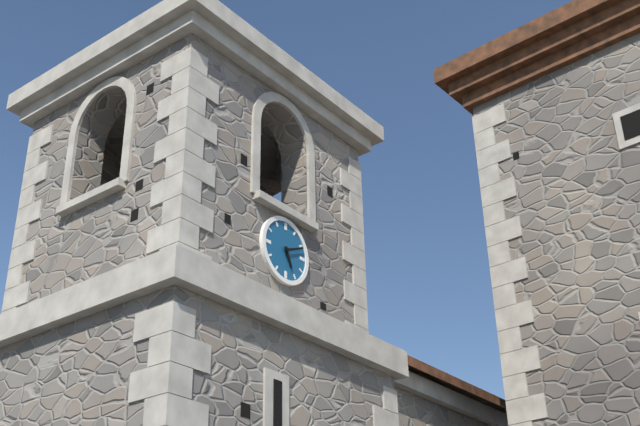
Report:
5h11
